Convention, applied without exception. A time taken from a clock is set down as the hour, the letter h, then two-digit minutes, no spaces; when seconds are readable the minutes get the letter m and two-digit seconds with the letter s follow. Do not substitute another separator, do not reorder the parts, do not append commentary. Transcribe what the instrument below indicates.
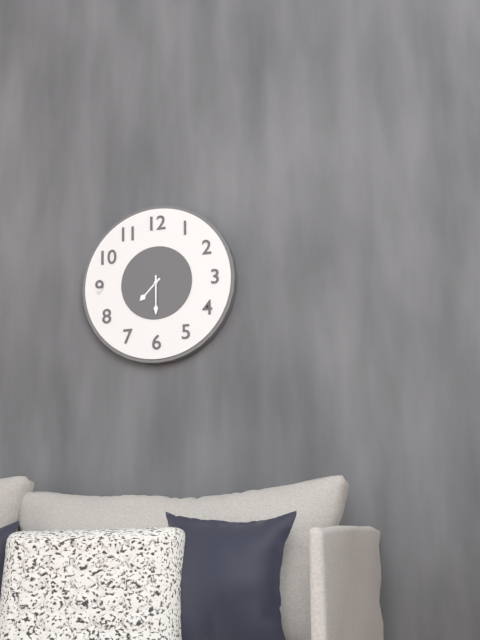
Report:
7h30
